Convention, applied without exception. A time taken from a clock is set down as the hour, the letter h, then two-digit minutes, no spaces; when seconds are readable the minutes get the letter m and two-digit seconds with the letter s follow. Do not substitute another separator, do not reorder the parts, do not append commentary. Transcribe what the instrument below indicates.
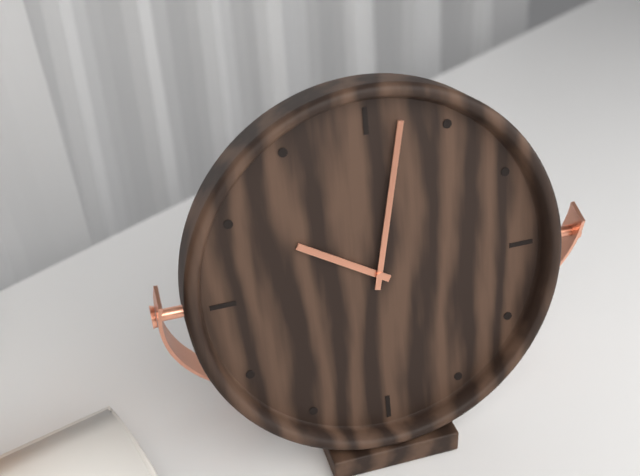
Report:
10h02
